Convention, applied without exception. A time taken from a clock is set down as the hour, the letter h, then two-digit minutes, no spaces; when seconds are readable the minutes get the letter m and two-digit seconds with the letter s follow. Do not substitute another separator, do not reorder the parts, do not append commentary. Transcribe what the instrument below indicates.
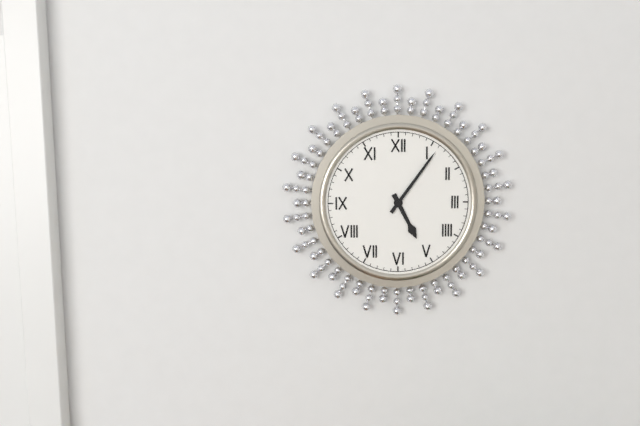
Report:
5h06
